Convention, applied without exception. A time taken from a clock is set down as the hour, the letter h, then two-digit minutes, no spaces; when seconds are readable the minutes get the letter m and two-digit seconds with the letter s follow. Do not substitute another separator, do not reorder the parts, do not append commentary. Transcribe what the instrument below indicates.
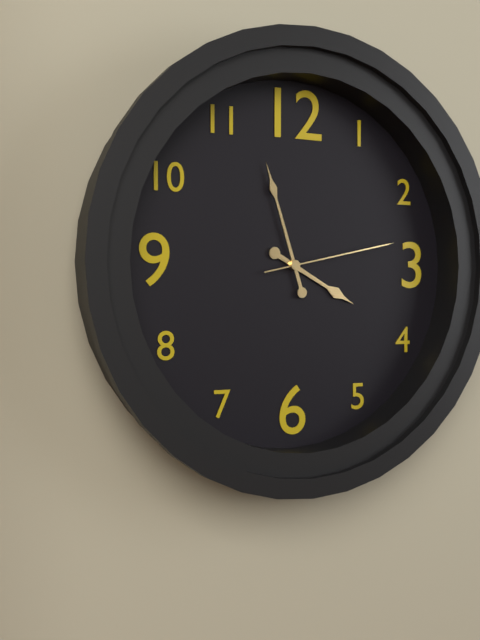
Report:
3h57m13s
